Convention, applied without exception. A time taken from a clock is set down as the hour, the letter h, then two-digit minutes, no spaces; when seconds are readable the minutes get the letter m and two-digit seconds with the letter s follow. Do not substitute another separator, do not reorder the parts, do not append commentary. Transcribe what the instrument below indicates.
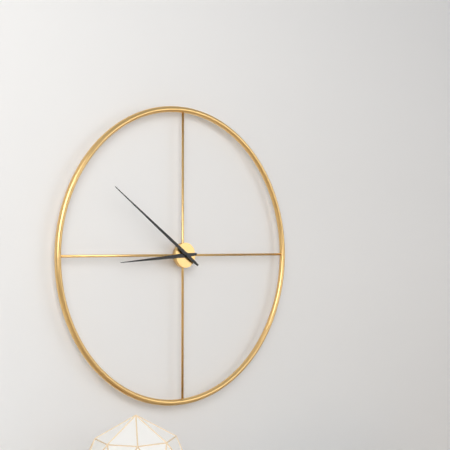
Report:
8h51
